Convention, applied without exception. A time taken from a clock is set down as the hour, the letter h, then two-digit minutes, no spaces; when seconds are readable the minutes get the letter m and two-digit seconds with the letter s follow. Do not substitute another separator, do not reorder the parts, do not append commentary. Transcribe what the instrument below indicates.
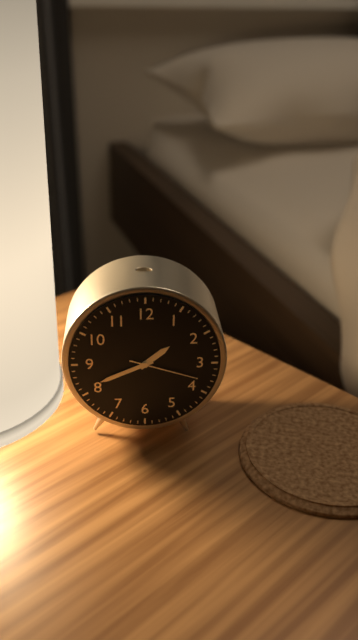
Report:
1h41m18s
